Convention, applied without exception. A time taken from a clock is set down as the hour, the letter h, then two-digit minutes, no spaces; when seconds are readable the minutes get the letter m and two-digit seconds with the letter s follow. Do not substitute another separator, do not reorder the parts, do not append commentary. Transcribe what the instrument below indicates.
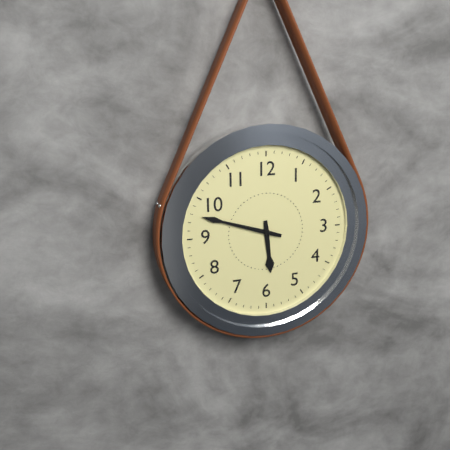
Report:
5h48
